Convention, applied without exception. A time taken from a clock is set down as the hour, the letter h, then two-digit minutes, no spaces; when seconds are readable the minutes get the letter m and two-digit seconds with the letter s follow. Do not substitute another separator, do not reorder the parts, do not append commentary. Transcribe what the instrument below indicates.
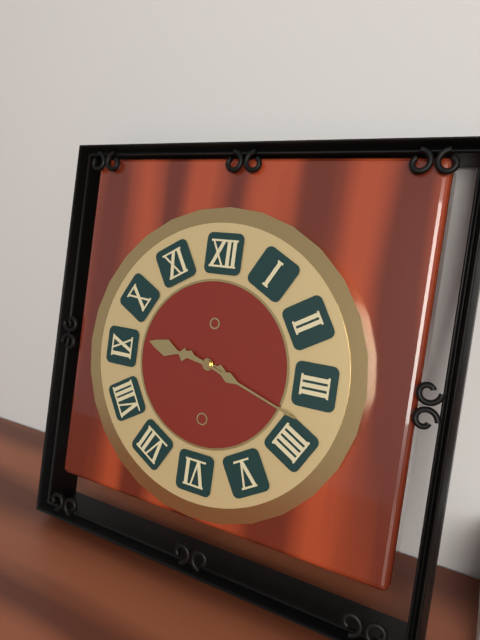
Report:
9h18
